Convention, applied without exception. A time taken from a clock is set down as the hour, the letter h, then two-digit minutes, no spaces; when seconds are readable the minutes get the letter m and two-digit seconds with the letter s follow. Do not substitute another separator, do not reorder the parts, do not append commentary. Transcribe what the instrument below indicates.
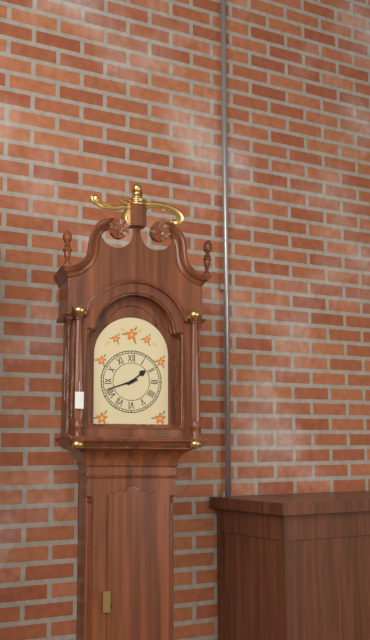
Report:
1h42
